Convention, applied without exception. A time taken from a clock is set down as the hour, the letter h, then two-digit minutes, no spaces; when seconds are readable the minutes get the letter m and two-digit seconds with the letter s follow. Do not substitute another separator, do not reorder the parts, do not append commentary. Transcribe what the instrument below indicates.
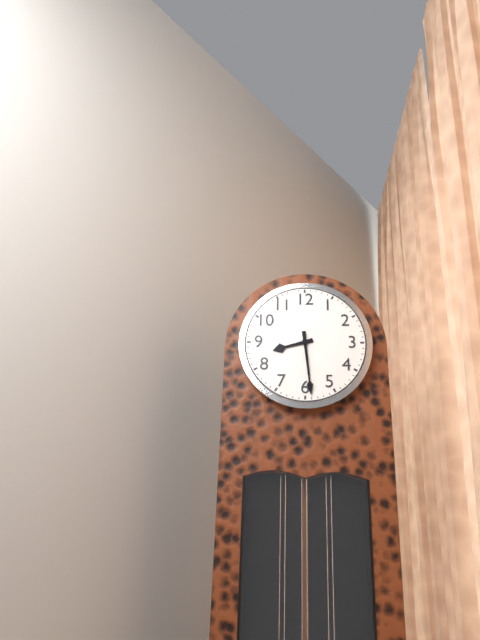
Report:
8h29
